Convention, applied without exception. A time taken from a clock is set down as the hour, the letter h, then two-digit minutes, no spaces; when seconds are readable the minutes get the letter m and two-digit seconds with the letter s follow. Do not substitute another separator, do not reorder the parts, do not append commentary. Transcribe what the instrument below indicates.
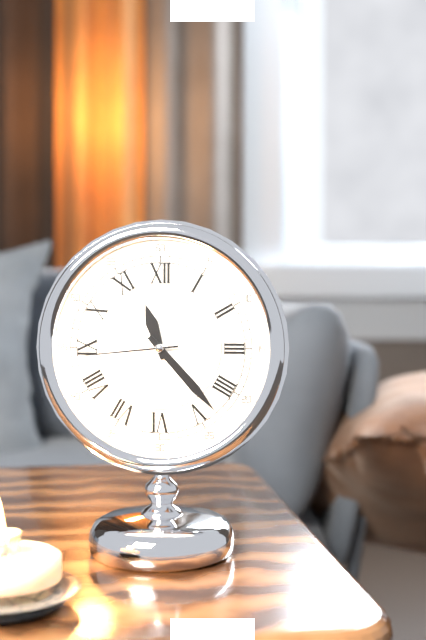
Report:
11h23m44s
